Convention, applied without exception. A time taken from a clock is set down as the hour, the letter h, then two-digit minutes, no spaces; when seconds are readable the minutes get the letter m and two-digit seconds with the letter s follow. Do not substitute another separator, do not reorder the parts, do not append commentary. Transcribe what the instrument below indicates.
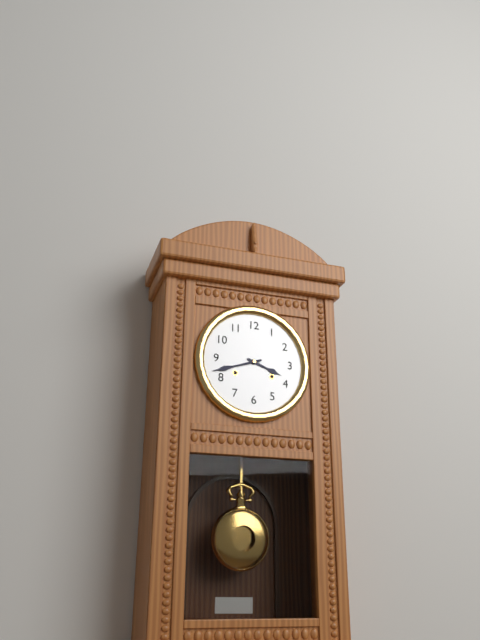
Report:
3h42
